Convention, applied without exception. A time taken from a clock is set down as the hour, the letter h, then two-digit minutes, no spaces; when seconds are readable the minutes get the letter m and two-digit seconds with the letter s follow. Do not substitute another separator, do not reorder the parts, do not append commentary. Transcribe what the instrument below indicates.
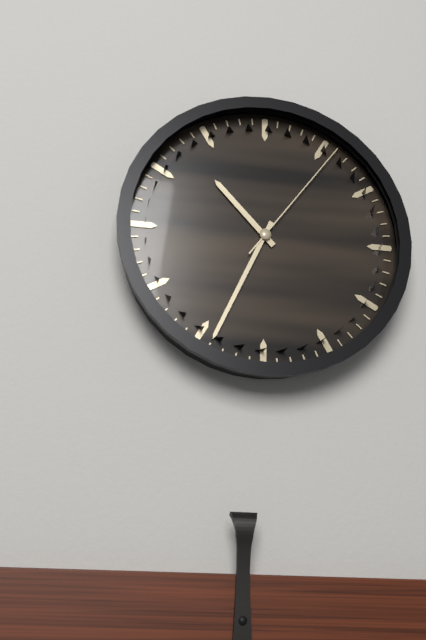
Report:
10h34m06s
